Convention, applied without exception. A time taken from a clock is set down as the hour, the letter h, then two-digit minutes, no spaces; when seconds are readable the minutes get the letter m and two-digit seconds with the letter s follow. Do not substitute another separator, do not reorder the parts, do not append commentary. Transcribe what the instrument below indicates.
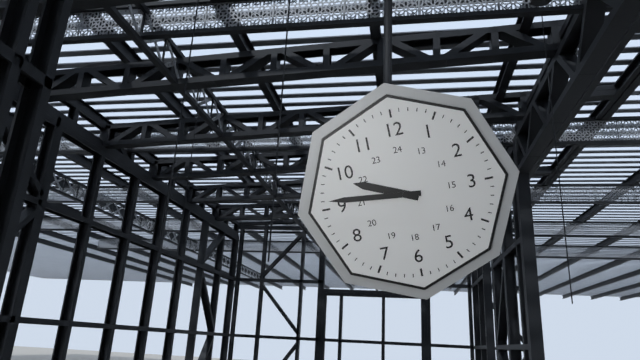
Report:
9h46
